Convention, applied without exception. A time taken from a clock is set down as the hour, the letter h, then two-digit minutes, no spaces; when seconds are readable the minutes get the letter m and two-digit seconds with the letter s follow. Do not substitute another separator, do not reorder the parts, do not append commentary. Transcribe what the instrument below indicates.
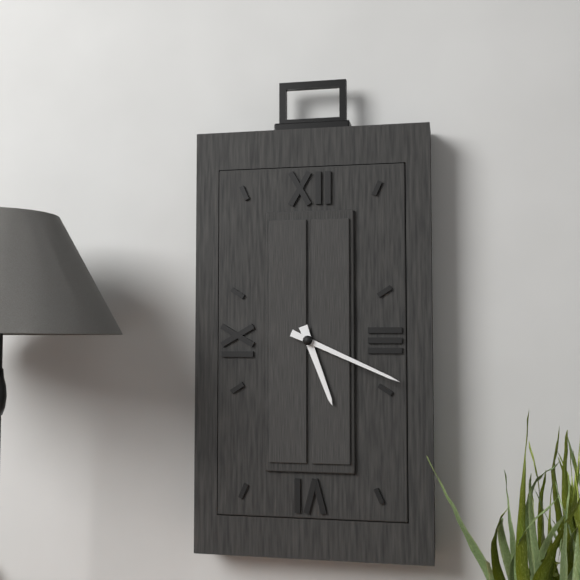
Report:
5h19
